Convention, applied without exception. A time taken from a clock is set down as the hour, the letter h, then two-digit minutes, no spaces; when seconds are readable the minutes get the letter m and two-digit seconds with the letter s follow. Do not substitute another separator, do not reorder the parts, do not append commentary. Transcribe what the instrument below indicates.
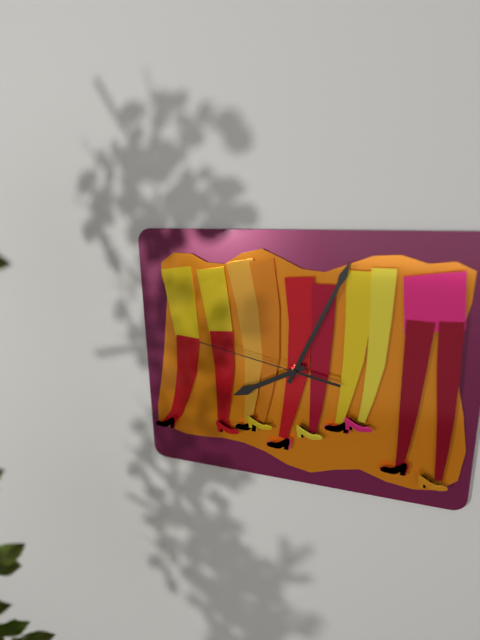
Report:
8h04m47s
